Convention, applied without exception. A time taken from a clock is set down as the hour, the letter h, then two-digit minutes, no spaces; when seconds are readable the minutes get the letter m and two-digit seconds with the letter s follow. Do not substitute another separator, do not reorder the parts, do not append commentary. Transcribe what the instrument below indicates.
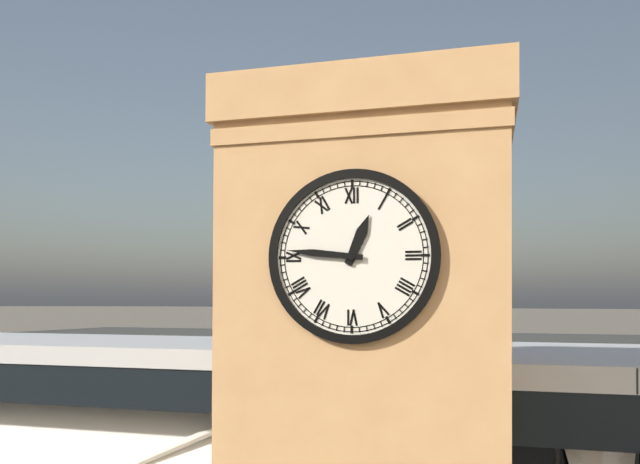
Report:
12h46
